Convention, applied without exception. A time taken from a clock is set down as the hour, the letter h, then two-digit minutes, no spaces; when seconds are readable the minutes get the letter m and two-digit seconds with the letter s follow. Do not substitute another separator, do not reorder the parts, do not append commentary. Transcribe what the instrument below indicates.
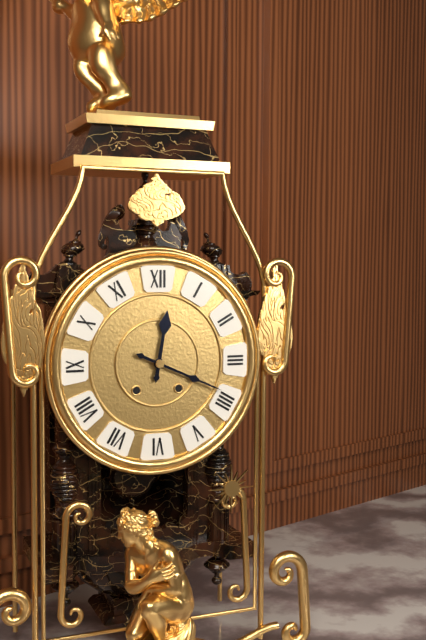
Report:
12h19
